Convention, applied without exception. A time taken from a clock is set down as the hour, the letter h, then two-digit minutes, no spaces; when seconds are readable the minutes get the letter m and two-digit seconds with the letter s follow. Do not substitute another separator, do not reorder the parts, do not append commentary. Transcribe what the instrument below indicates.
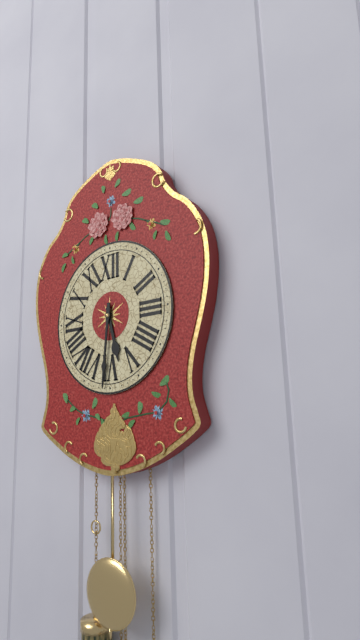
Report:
5h31
